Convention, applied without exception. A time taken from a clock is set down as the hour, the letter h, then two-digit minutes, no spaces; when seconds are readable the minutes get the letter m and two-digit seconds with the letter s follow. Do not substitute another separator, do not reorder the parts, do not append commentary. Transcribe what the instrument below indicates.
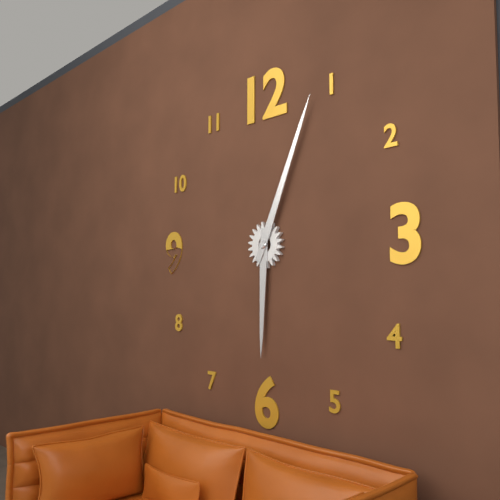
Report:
6h04
